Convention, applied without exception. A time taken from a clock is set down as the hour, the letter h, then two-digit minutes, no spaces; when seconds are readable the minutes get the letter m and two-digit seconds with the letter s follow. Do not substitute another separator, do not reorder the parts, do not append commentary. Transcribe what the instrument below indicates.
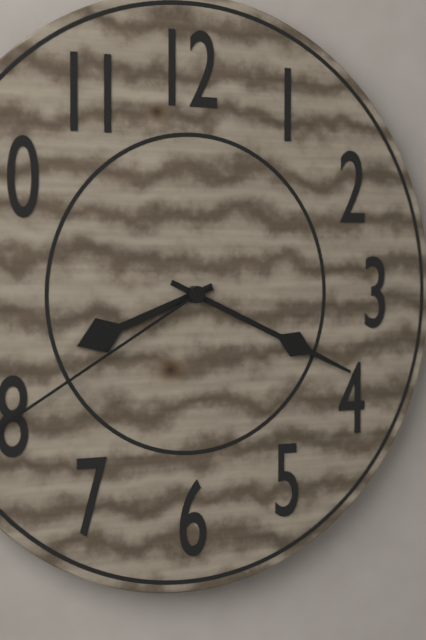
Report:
8h19
